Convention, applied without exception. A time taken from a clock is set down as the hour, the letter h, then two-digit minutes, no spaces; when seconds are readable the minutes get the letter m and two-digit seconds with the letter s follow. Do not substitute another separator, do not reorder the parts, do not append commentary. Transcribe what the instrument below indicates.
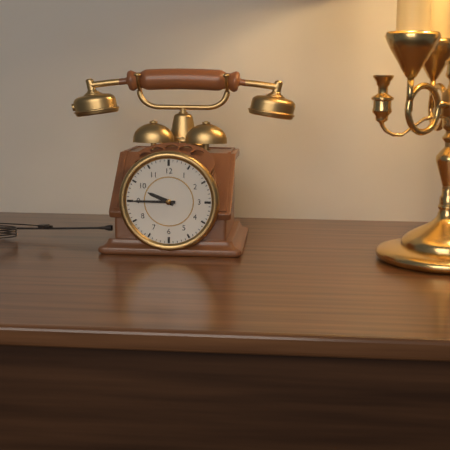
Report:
9h45
